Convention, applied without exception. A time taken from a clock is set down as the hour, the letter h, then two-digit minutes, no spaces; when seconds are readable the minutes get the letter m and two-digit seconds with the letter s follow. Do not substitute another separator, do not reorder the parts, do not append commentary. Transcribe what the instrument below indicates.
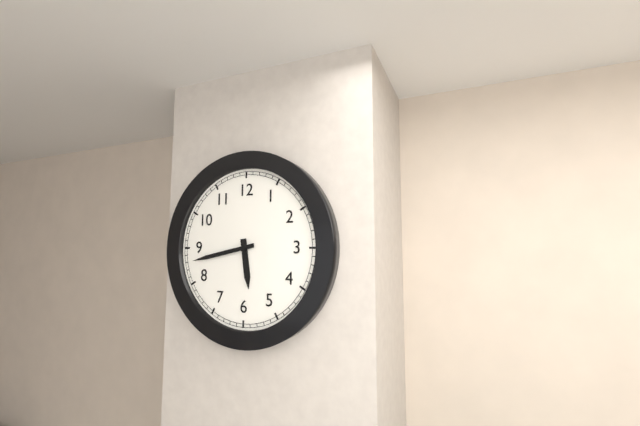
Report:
5h43
